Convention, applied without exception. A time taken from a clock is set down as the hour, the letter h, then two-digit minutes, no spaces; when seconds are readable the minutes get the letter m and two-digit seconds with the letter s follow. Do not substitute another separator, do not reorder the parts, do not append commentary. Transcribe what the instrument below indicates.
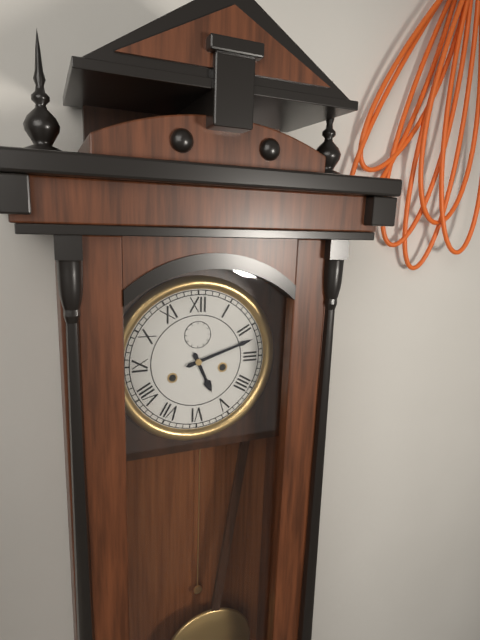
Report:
5h12
